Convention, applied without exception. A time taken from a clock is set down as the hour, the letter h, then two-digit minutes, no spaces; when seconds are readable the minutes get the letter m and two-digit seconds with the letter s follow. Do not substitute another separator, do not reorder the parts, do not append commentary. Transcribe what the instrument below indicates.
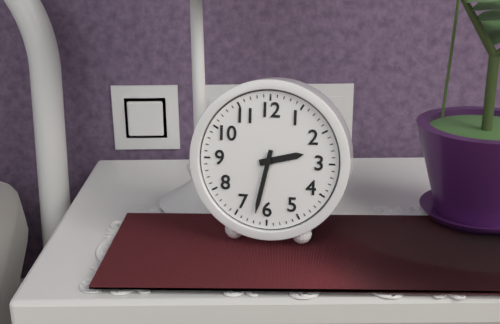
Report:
2h32
